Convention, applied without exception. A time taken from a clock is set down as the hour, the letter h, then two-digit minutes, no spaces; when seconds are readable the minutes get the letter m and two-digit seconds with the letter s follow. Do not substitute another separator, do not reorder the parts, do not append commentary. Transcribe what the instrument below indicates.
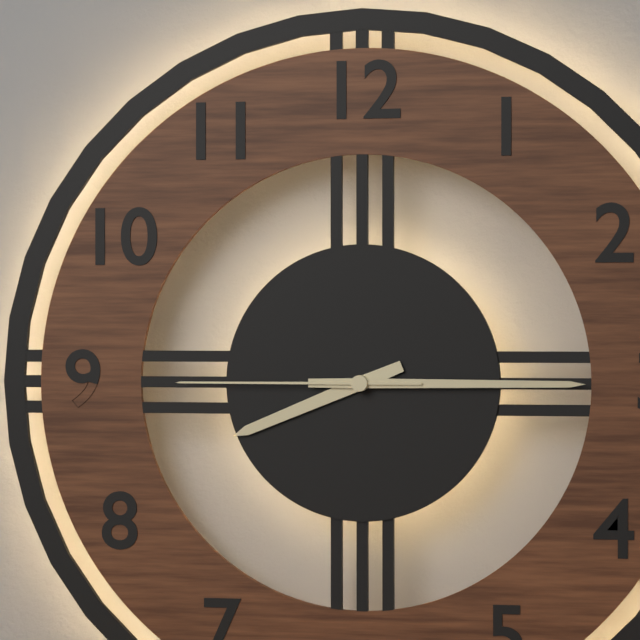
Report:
8h15m45s
